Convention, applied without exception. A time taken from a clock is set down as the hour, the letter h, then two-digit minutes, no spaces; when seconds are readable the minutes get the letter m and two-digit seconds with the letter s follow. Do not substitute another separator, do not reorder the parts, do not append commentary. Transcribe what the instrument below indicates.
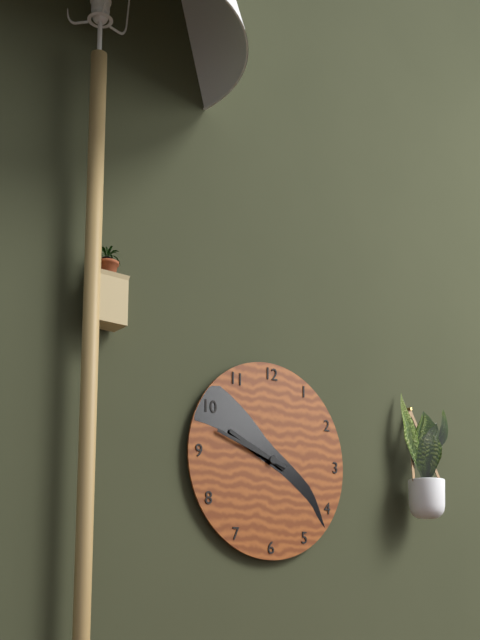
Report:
9h48
